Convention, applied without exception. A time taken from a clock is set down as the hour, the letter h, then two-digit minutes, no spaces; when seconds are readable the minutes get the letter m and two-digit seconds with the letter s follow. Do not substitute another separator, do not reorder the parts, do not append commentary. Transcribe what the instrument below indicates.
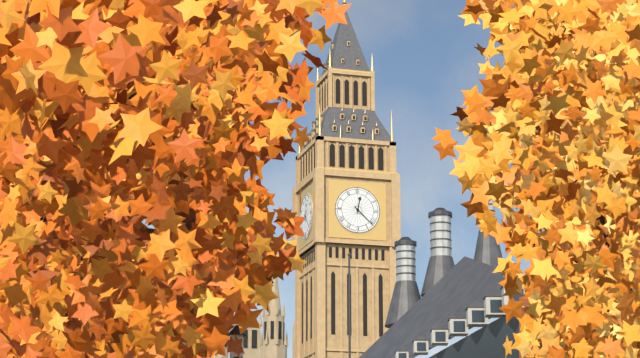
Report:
12h22
